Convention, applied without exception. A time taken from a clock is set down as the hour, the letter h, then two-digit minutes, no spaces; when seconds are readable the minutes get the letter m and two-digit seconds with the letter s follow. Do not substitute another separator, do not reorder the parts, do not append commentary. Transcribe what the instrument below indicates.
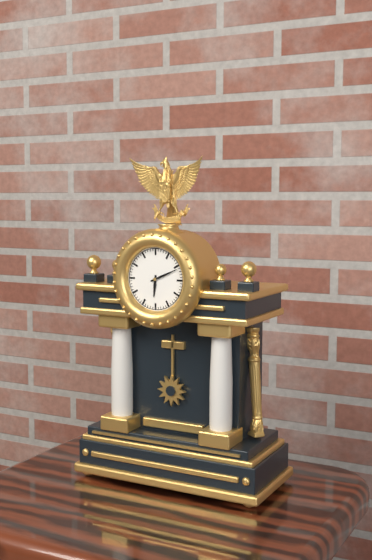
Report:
6h11
